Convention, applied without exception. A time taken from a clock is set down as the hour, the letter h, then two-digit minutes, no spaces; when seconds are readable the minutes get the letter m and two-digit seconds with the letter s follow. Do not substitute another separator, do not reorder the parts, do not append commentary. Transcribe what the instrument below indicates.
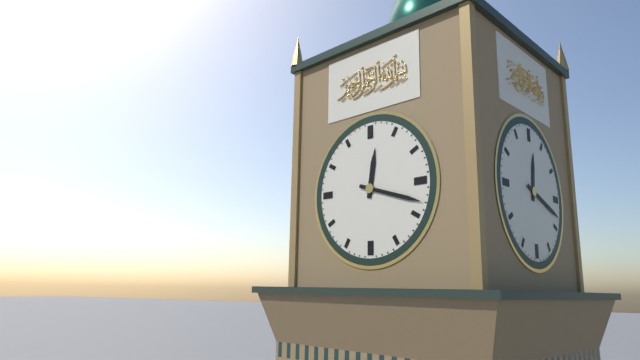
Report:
12h18
